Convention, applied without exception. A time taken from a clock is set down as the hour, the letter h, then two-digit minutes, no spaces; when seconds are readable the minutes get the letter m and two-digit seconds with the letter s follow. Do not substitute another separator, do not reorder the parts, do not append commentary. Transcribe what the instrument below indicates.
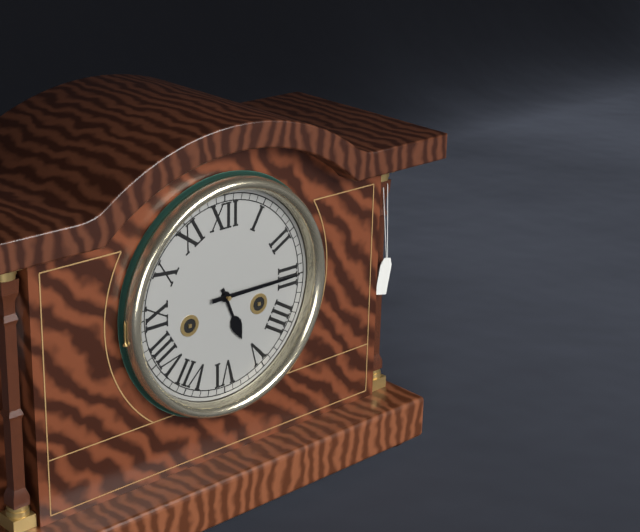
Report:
5h15
